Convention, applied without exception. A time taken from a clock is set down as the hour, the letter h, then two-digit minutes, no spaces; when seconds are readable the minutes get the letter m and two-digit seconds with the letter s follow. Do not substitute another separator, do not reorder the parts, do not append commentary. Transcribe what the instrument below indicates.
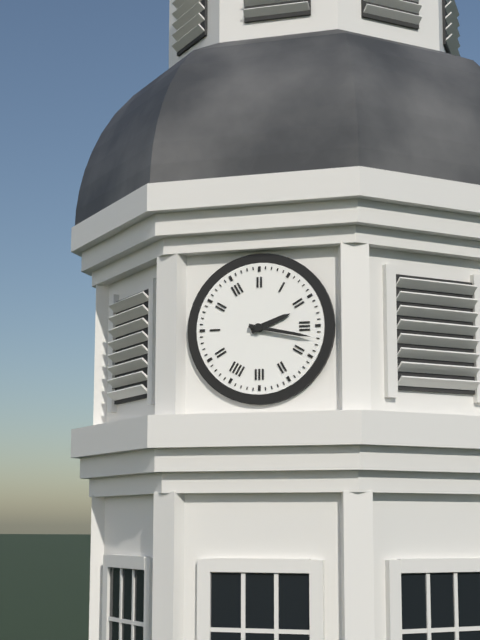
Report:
2h17
